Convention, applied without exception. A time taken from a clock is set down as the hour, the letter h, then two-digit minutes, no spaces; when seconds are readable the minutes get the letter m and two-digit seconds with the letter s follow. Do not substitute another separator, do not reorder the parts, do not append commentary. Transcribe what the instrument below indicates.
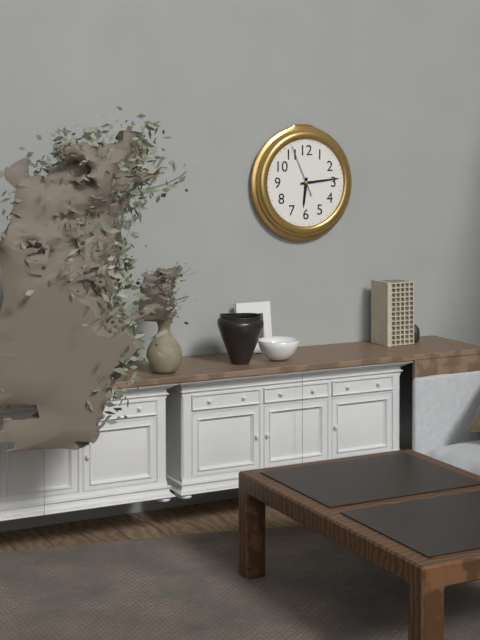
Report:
6h14
